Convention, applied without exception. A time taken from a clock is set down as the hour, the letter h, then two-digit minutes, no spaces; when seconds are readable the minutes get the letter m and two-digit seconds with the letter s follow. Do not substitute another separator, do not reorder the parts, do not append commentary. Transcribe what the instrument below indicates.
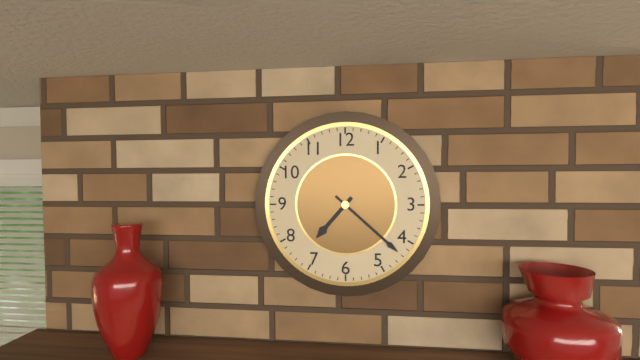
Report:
7h22
